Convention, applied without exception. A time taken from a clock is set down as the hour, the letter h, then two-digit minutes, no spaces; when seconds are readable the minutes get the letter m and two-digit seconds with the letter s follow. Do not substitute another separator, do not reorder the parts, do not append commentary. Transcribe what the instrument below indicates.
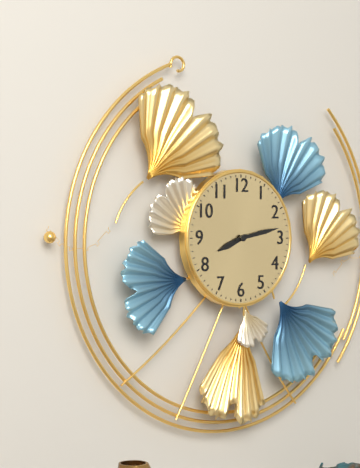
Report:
8h13
